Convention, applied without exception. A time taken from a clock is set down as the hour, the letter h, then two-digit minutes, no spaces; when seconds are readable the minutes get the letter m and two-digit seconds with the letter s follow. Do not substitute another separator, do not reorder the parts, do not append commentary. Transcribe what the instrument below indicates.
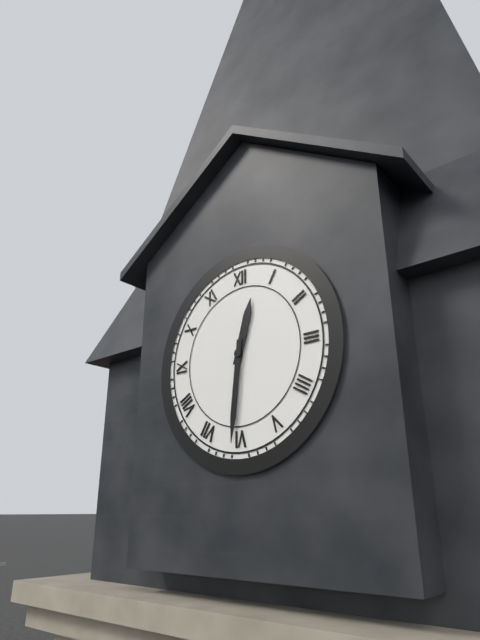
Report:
12h31
